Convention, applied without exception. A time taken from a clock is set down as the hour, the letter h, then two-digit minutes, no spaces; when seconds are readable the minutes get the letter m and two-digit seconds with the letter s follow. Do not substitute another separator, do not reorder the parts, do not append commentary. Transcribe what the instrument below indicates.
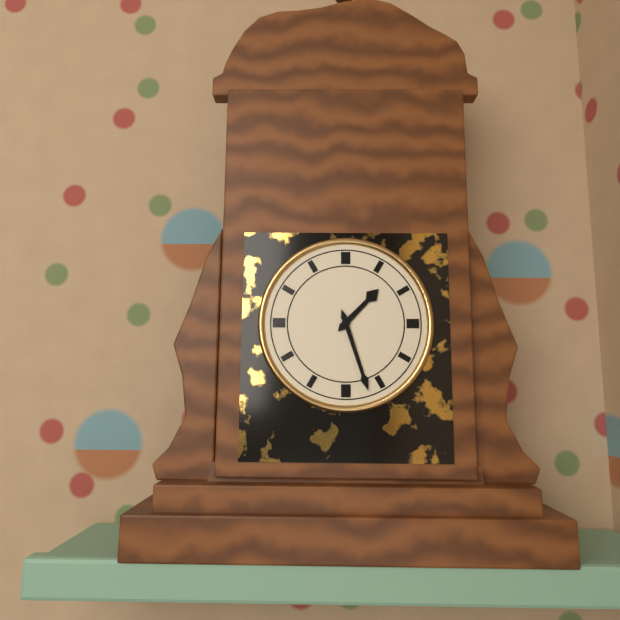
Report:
1h27
